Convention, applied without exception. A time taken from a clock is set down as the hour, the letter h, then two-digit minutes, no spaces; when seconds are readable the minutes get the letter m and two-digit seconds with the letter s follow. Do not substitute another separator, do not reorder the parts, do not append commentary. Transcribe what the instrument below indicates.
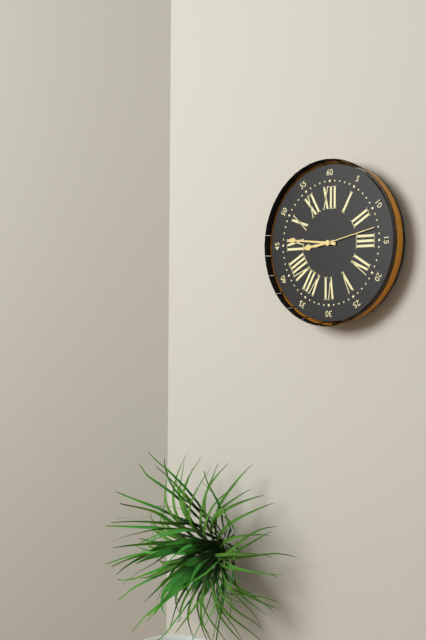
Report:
8h46m13s
